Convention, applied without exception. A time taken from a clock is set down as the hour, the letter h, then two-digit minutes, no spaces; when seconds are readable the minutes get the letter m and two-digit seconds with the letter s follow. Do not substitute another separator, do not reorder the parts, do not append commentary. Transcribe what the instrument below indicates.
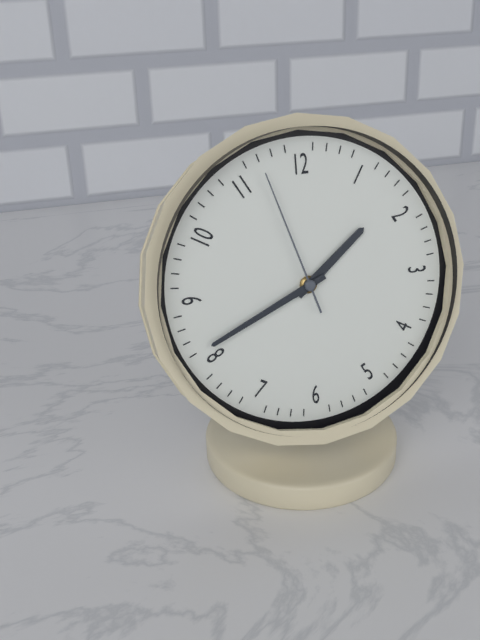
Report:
1h41m57s
